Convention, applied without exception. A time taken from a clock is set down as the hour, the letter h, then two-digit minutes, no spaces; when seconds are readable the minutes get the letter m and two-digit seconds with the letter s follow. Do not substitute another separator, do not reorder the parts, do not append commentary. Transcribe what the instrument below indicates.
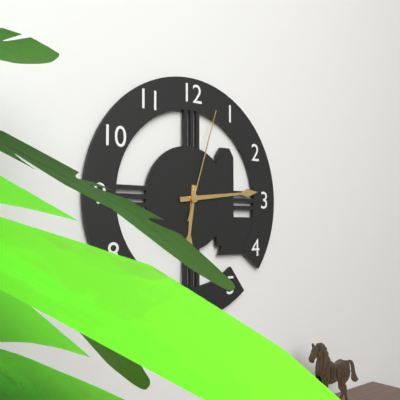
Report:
6h14m03s
